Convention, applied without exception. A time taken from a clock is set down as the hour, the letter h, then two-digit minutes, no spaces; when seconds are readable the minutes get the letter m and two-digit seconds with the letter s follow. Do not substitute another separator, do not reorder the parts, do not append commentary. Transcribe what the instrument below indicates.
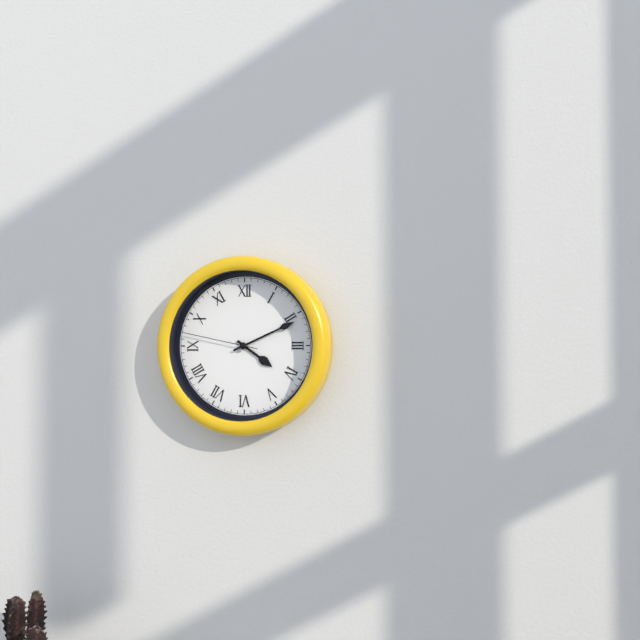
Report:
4h11m47s
